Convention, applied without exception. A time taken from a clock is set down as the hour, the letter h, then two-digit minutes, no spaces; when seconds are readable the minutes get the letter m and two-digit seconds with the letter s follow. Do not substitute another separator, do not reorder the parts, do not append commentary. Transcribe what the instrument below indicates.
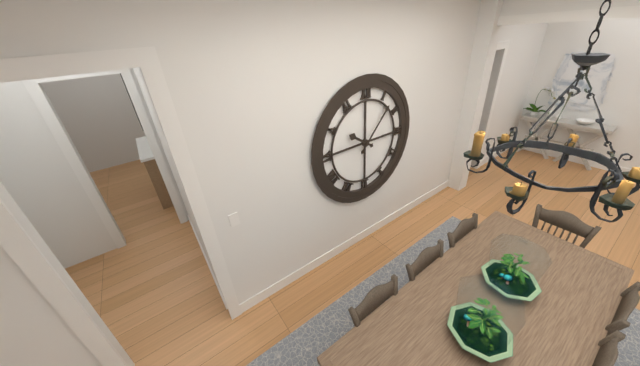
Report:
10h07
